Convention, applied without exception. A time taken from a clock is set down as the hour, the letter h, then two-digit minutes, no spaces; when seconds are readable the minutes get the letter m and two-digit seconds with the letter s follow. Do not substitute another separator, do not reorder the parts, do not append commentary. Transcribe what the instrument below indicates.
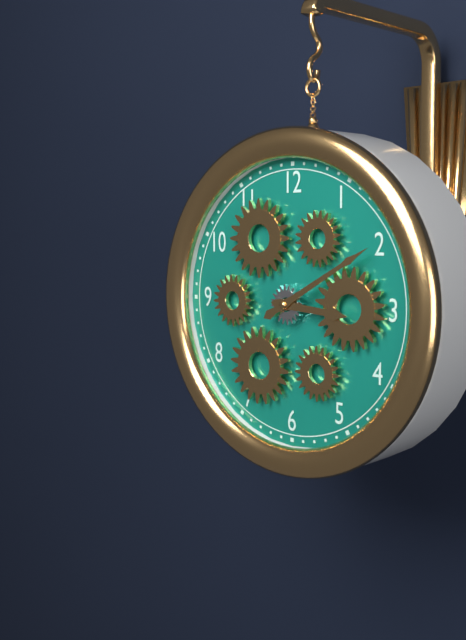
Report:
3h10
